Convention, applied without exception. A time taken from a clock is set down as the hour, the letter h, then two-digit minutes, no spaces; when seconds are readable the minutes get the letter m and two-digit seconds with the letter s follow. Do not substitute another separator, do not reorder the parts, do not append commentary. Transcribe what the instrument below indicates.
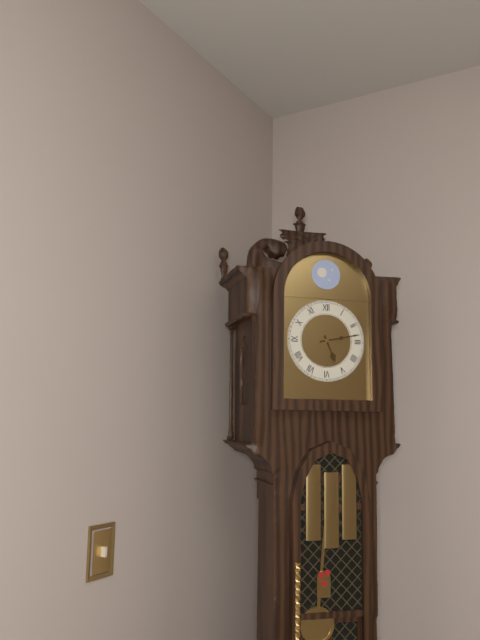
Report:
5h13
